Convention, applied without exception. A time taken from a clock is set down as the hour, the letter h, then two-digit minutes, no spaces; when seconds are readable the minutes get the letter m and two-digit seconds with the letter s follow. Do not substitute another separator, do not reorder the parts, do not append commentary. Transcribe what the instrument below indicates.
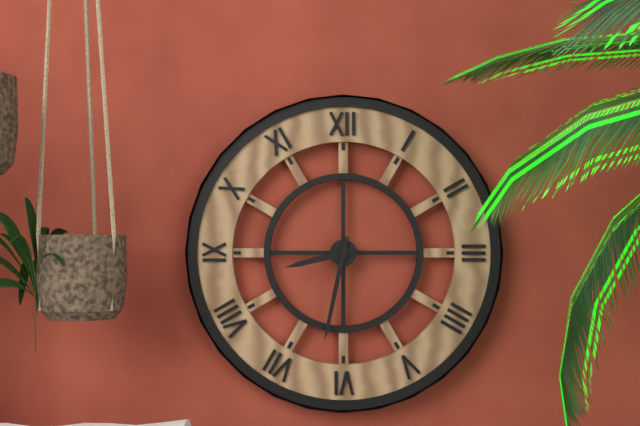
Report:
8h32
